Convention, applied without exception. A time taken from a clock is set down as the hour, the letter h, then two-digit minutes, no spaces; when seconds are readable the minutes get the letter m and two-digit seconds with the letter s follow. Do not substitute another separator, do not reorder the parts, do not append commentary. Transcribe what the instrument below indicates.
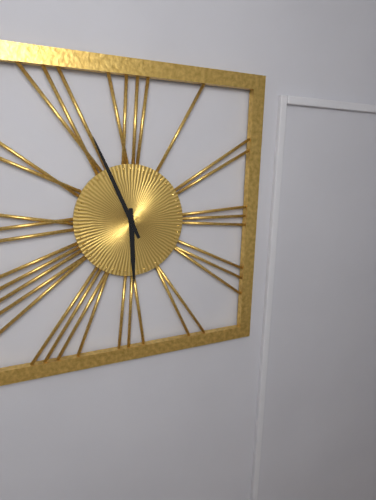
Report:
5h56
